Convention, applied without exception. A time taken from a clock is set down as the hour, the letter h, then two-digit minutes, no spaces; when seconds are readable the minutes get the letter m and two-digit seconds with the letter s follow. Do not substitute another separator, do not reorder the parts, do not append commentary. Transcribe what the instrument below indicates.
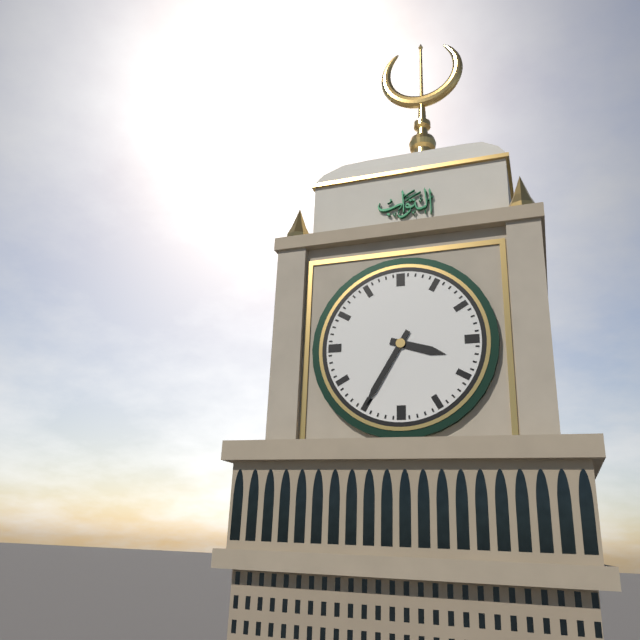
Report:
3h35
